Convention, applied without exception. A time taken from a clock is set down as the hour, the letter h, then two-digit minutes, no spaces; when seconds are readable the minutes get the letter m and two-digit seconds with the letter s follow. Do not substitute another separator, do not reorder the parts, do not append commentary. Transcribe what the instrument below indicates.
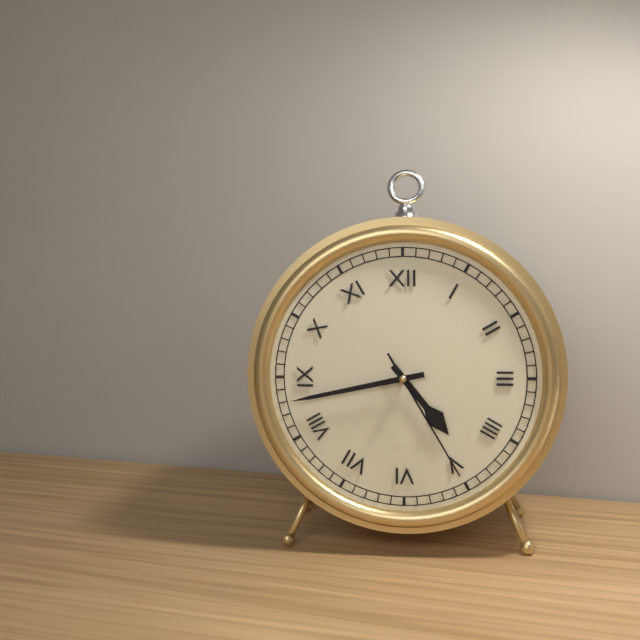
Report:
4h43m25s
